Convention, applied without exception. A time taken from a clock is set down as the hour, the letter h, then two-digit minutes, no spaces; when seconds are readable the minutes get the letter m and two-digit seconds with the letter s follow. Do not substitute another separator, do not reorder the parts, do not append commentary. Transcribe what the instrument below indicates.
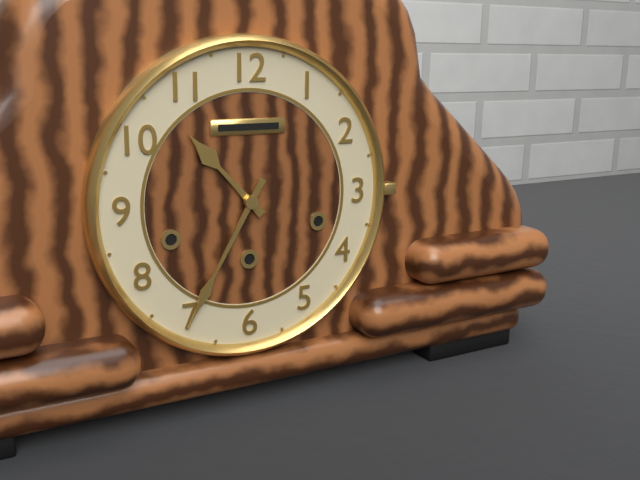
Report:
10h35
